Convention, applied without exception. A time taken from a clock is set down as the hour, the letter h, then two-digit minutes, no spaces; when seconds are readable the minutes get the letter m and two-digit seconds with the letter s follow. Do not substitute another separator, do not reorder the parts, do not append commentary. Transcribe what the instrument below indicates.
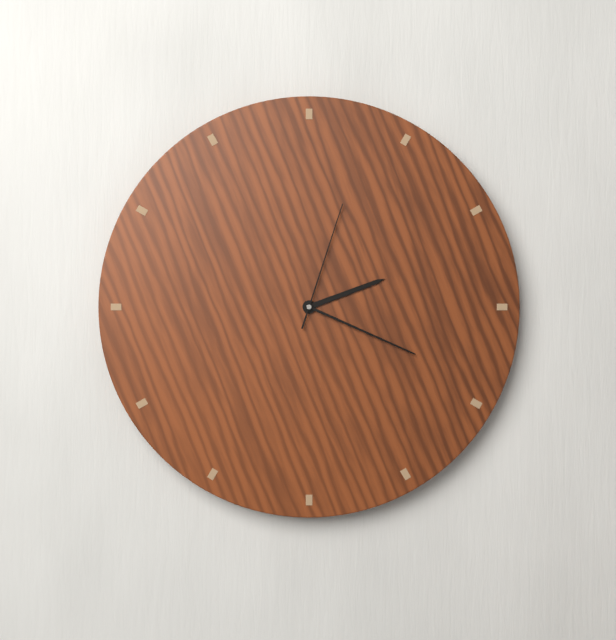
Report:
2h19m03s
